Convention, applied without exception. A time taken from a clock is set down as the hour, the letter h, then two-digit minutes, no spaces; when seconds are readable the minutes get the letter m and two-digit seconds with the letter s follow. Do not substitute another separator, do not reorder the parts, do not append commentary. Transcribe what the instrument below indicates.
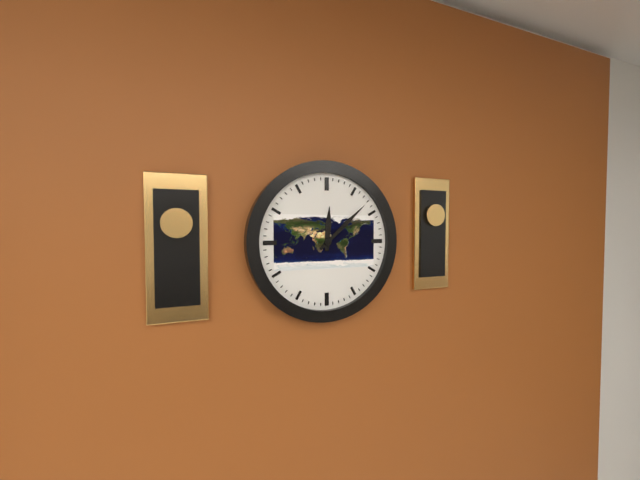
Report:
12h08
